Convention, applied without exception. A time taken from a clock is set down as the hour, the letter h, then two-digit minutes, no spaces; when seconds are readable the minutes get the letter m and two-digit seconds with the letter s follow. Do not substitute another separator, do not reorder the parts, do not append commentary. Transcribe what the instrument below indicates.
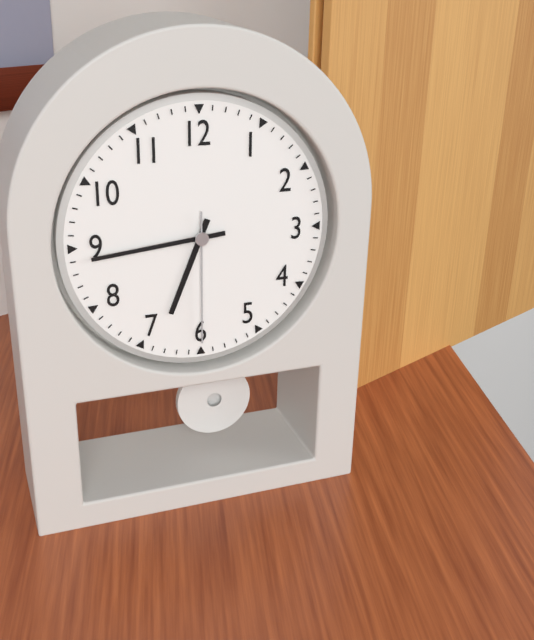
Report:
6h44m30s
